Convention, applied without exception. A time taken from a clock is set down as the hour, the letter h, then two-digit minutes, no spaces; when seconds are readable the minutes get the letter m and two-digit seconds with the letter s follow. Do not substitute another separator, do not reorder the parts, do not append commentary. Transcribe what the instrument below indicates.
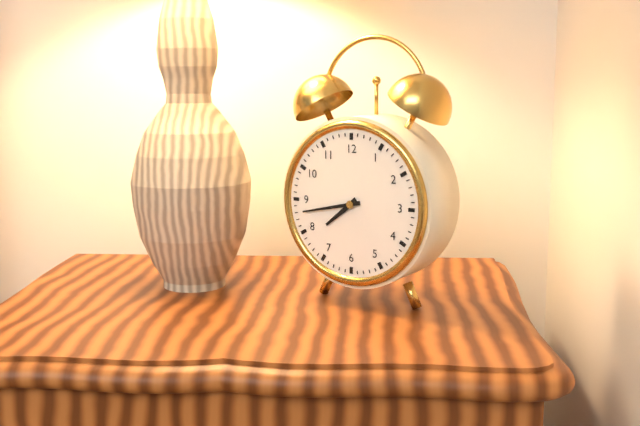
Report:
7h43
